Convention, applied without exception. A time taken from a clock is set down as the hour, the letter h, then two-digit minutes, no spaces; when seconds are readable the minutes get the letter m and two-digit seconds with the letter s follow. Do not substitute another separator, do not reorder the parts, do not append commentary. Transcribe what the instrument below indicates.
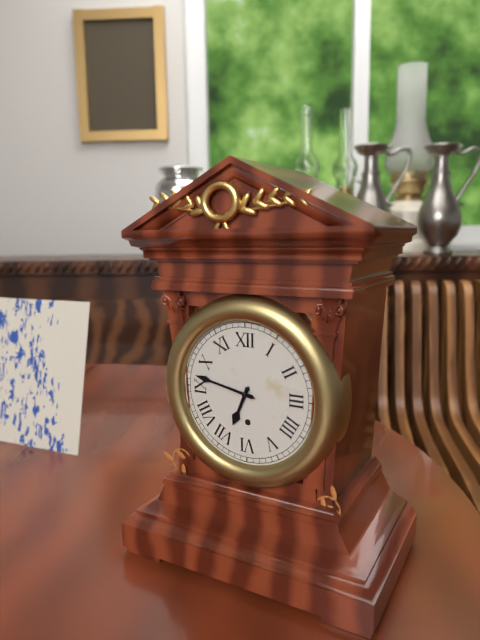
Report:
6h47
